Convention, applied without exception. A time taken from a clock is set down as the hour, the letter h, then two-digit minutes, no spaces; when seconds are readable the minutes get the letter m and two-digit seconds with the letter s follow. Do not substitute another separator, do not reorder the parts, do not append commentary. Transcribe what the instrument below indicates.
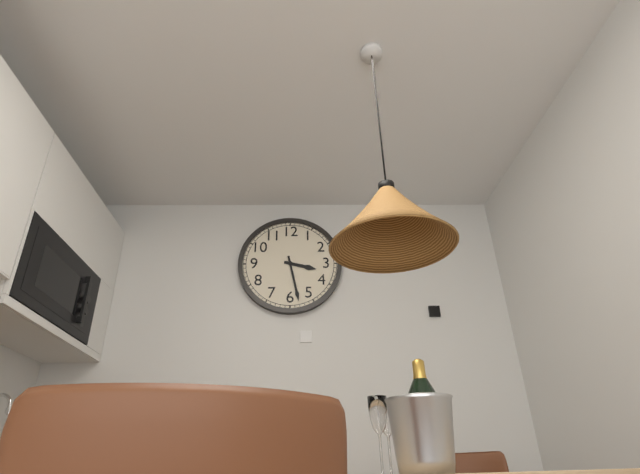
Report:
3h28
